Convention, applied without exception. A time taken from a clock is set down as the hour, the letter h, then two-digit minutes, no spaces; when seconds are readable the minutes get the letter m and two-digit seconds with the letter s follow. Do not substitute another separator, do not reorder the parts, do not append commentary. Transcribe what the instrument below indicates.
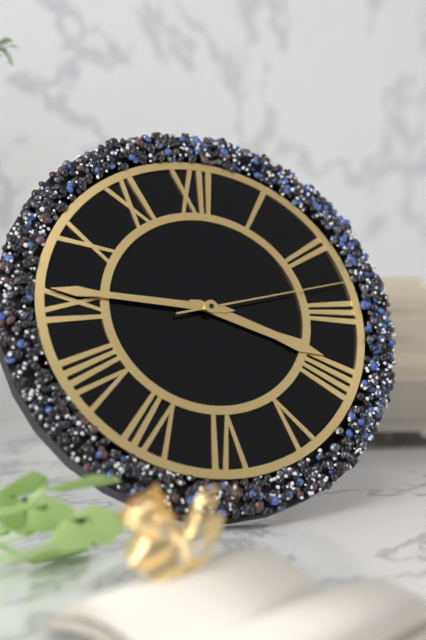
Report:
3h46m13s
